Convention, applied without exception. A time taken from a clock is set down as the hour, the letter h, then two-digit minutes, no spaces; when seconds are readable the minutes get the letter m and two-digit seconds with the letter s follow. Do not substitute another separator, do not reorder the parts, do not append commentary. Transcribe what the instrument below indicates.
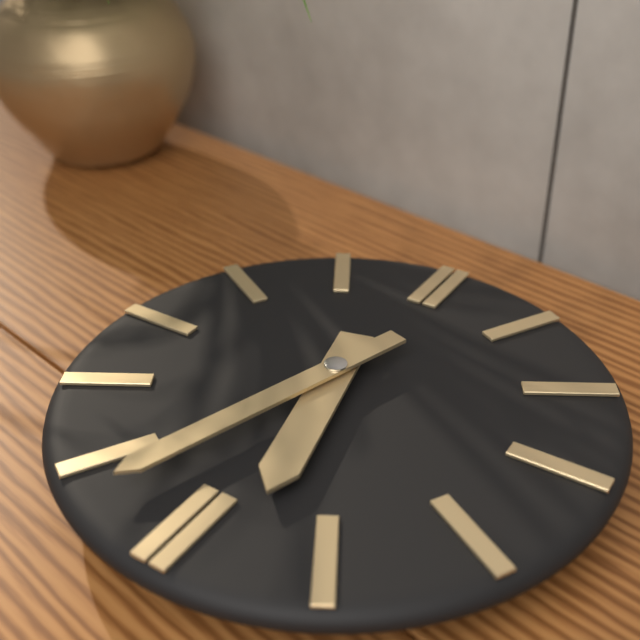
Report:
5h33
